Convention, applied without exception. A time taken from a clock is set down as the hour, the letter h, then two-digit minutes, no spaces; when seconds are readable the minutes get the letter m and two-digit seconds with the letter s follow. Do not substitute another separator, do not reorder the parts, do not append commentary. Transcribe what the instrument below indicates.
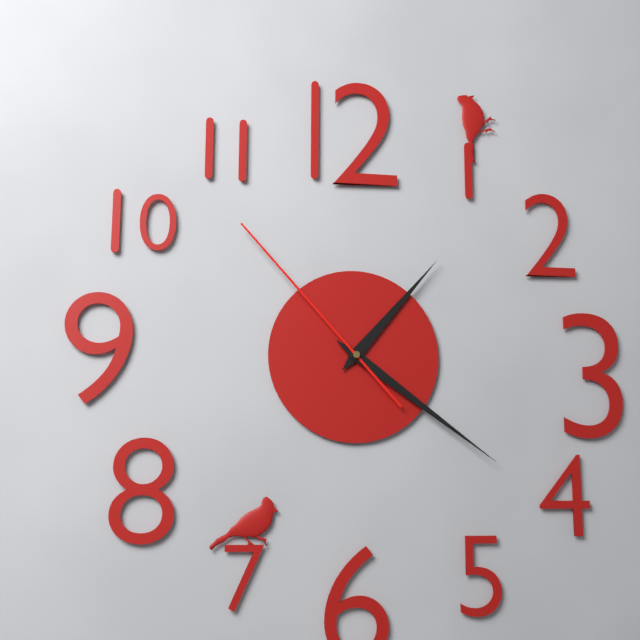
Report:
1h21m53s
